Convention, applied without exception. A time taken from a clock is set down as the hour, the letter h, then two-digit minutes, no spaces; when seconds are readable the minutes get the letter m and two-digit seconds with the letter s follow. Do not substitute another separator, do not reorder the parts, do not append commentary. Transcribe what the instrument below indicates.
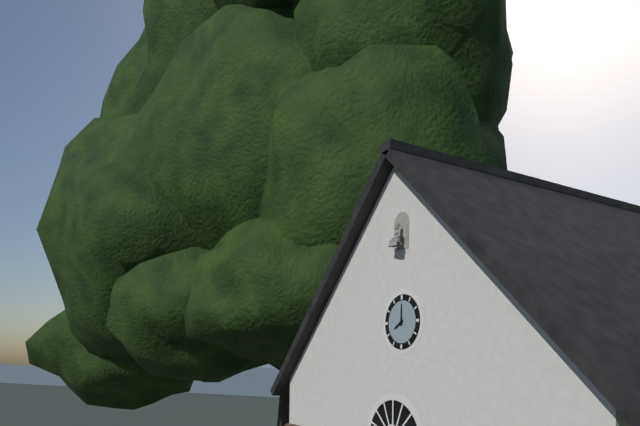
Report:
8h00
